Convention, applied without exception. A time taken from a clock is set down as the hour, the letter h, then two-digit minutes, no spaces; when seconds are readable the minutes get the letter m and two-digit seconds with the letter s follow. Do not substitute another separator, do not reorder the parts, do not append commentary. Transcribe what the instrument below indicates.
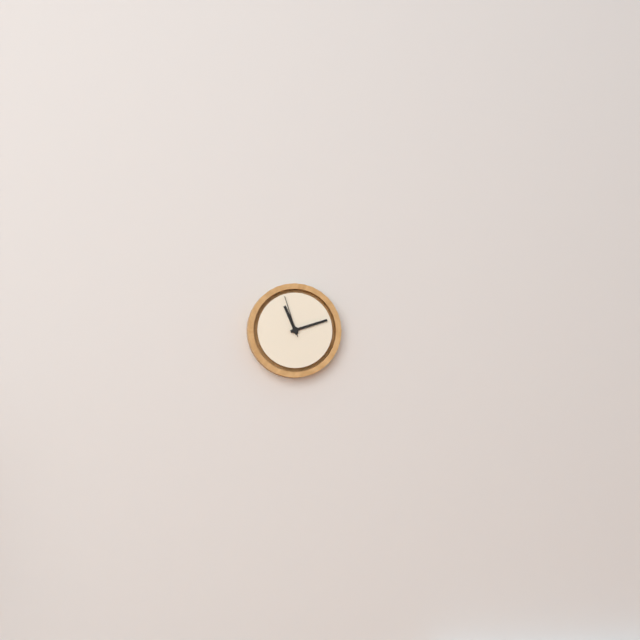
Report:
11h12
